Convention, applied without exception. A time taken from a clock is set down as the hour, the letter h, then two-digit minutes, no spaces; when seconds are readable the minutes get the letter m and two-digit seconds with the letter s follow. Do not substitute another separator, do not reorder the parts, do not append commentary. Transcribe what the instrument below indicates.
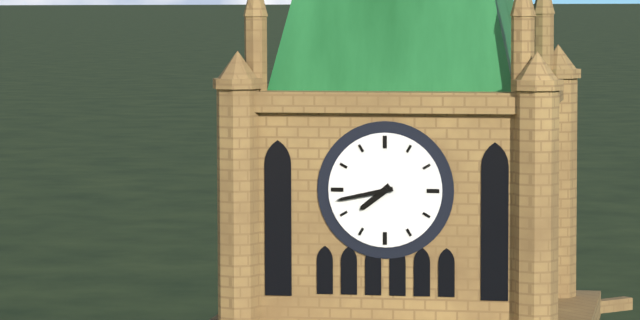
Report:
7h43
